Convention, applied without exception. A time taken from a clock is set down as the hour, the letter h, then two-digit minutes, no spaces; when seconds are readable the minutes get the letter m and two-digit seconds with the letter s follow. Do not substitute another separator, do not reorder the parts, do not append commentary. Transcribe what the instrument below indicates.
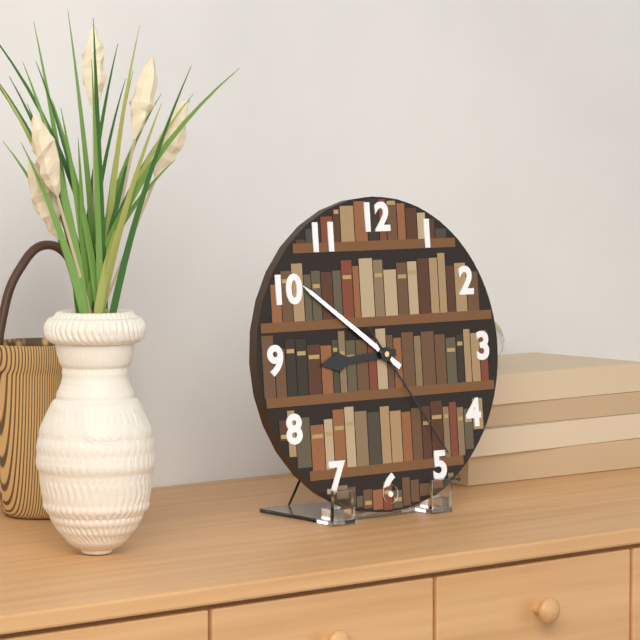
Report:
8h51m24s
